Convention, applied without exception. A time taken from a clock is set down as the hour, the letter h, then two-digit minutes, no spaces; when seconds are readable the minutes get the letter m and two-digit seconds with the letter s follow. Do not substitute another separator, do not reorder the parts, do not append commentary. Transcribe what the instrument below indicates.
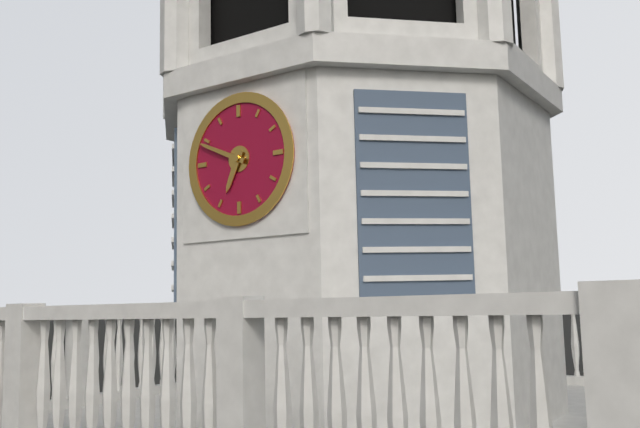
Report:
6h49
